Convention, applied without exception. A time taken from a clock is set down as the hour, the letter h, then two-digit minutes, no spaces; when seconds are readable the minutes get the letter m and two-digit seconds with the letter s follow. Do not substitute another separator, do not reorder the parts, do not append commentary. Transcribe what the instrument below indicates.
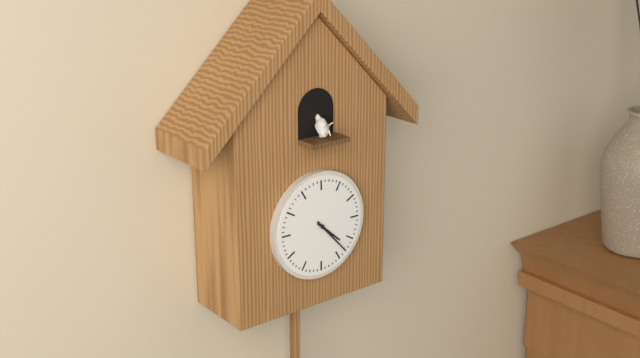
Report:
4h23
